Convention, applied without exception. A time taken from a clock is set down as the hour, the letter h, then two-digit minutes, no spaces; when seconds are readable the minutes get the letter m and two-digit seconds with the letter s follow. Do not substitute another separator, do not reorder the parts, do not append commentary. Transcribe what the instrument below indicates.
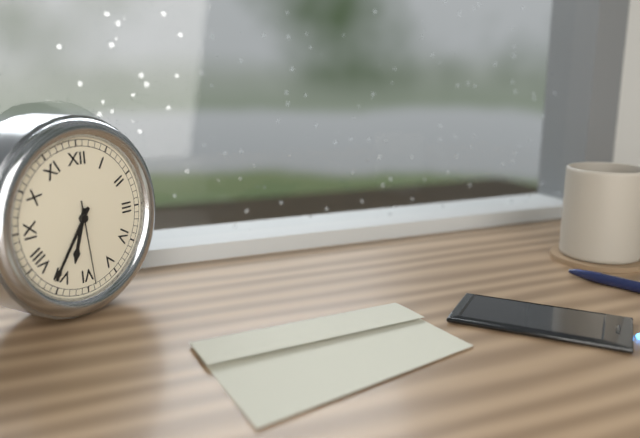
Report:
6h36m29s
